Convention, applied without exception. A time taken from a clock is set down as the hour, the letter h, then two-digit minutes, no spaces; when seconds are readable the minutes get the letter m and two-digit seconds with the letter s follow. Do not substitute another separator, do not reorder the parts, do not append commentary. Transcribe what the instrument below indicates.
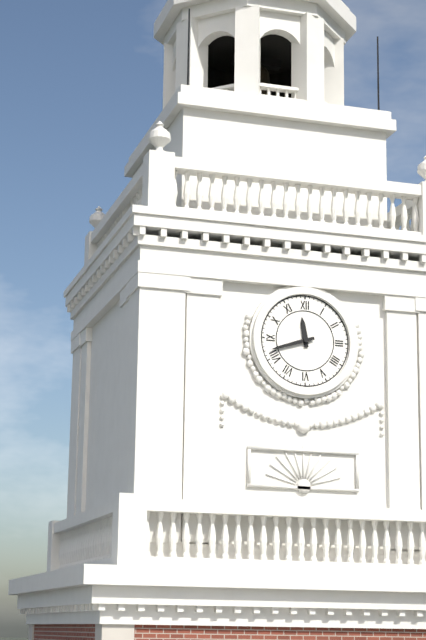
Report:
11h42
